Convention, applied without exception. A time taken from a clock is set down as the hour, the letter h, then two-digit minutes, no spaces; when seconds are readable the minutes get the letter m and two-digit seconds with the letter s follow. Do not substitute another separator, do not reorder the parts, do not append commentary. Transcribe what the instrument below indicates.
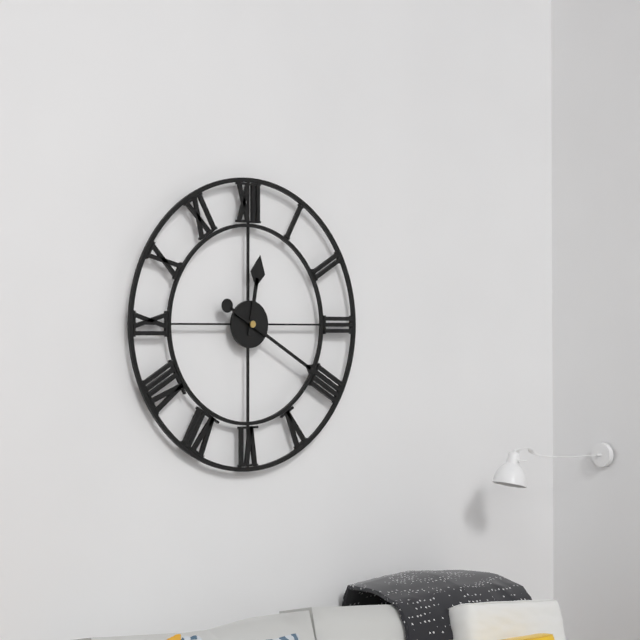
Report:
12h20
